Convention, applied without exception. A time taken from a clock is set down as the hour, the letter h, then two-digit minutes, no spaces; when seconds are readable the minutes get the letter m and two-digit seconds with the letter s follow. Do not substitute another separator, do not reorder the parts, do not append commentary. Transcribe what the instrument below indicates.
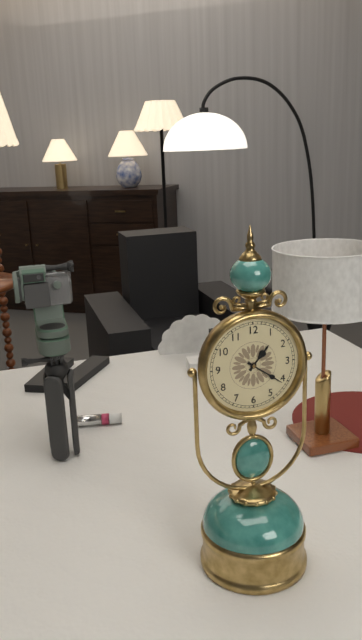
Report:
1h21
